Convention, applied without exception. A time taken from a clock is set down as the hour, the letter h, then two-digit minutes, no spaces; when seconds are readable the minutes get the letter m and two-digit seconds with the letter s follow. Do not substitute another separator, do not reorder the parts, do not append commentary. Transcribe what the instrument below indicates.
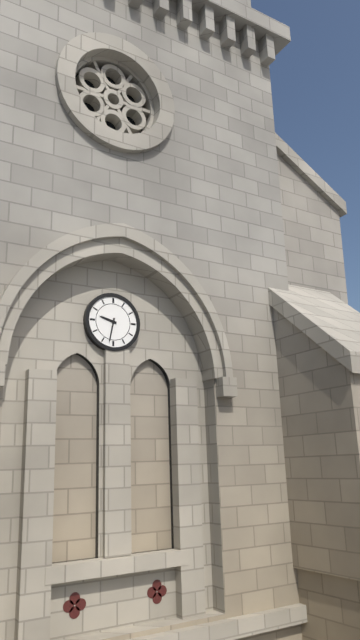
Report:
9h32
